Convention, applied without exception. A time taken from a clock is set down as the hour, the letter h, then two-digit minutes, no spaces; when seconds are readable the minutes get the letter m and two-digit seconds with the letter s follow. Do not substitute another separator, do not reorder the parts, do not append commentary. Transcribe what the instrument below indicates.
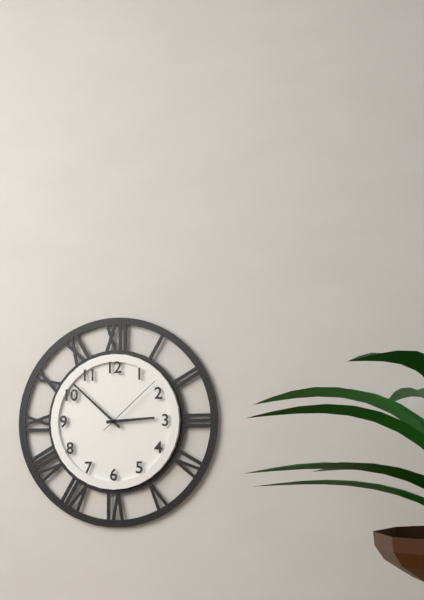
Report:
2h52m08s
